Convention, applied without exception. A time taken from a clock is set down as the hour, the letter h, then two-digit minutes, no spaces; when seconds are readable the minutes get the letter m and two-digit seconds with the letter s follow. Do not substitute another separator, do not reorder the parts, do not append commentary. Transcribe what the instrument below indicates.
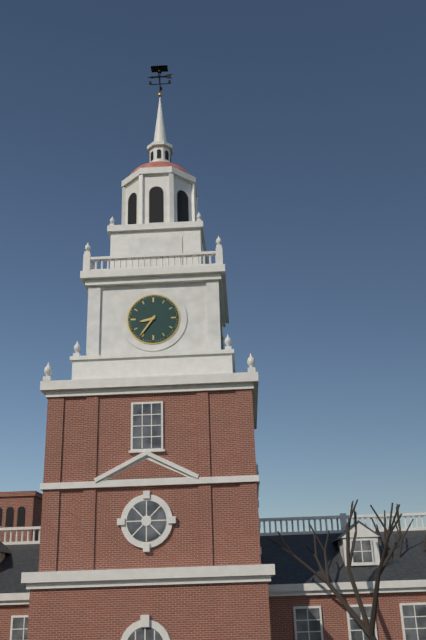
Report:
8h36
